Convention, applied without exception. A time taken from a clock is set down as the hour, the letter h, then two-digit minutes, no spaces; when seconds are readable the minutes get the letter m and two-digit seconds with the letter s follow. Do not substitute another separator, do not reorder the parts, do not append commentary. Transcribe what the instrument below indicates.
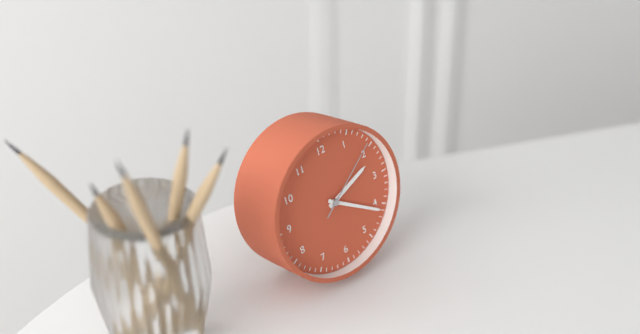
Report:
2h21m09s
